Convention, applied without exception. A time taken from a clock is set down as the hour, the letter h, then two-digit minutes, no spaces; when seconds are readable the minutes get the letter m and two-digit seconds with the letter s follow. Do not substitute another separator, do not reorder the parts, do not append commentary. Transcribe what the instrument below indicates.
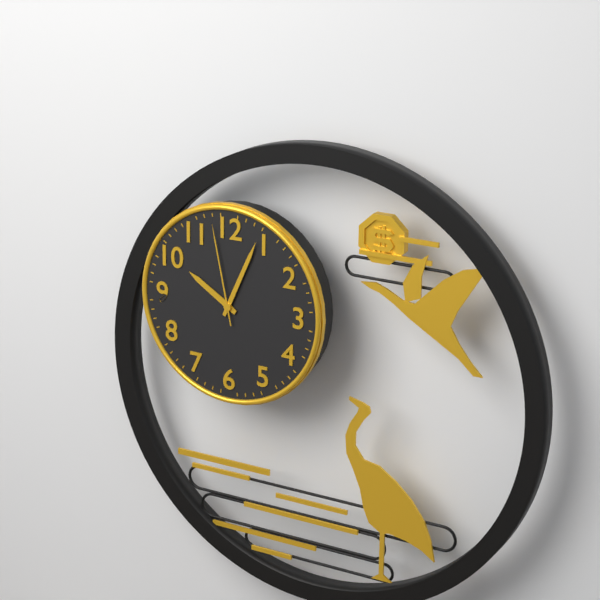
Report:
10h04m58s
